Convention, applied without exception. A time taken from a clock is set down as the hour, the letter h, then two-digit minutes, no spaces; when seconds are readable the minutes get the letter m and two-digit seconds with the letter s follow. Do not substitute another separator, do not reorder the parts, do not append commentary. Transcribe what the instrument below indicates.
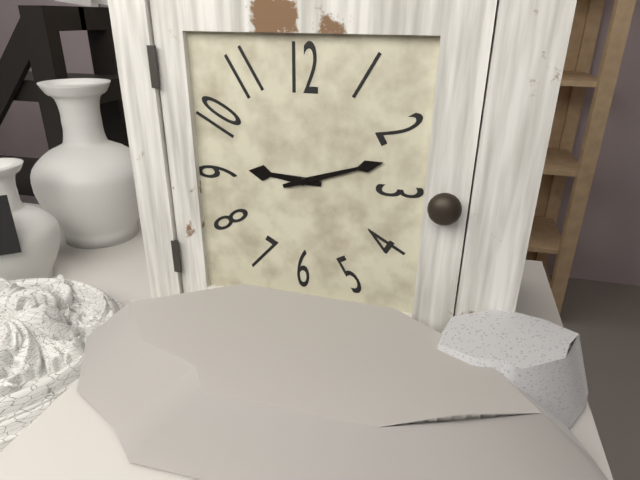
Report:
9h12
